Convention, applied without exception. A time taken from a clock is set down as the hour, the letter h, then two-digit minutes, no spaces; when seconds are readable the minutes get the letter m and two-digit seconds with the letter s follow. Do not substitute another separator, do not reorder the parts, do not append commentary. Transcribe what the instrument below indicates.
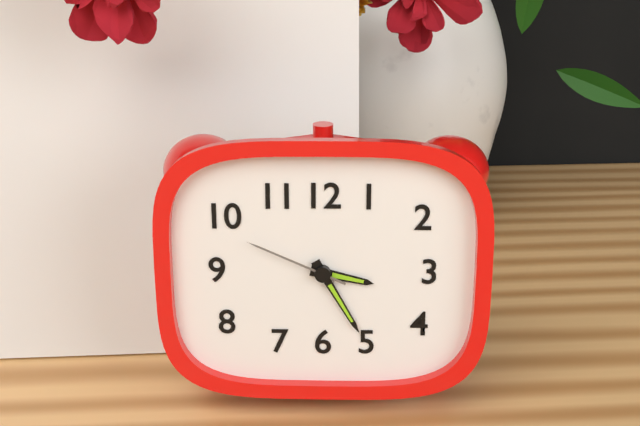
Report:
3h25m49s
